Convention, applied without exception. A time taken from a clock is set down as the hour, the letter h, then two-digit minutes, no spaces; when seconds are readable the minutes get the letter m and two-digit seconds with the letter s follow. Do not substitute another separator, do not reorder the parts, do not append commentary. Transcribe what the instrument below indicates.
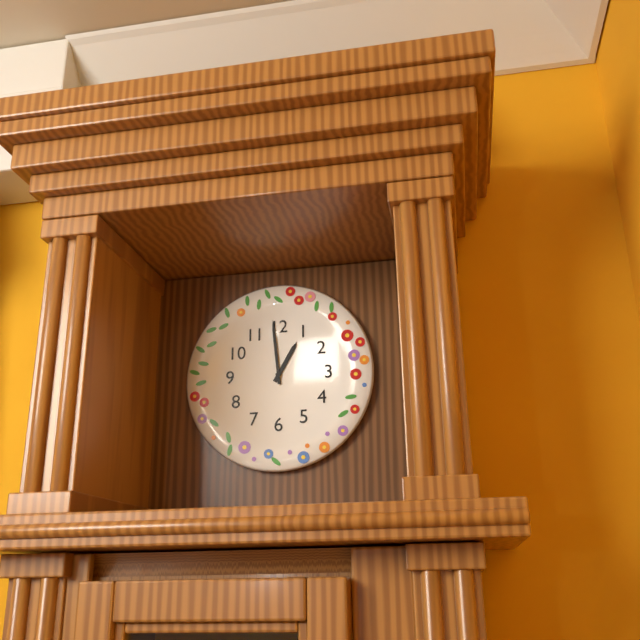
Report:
12h59
